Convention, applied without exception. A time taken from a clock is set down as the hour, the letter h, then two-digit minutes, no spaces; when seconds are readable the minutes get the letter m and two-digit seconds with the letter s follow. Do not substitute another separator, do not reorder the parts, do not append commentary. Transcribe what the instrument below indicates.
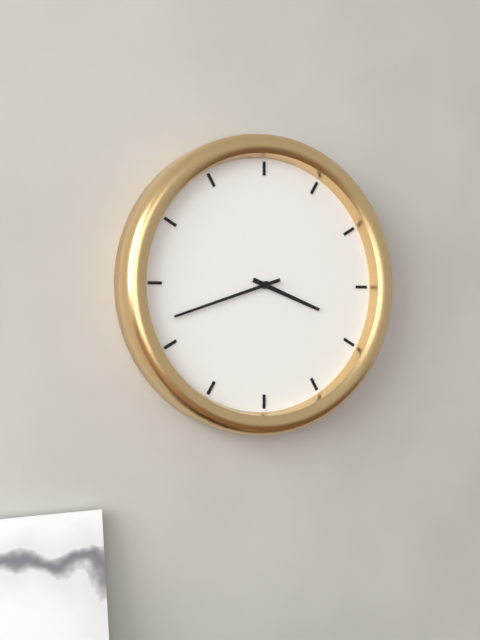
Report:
3h42
